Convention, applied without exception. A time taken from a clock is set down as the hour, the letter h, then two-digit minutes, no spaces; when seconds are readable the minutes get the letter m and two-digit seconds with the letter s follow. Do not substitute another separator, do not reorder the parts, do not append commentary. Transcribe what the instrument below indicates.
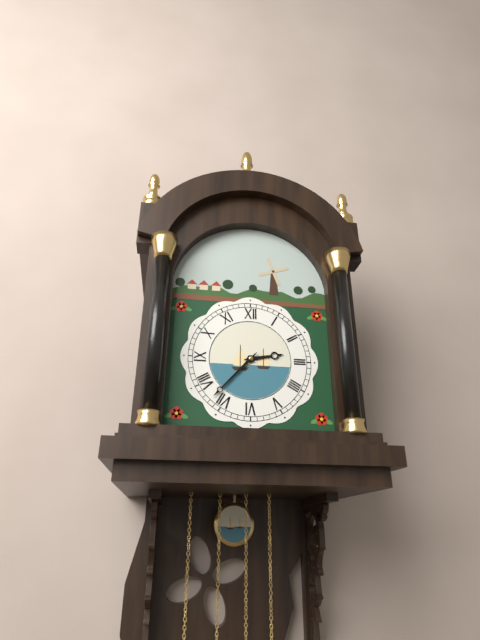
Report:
2h37
